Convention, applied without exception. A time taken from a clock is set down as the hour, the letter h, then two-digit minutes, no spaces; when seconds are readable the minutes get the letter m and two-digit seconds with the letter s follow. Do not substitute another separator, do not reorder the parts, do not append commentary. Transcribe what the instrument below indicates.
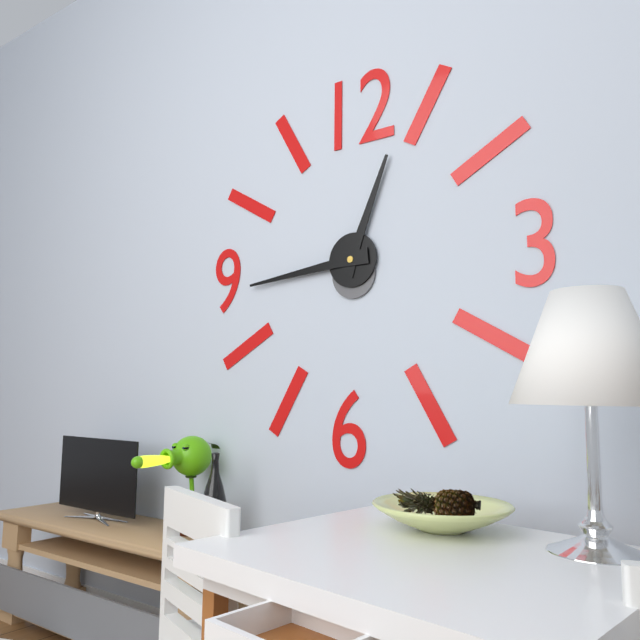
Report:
12h44
